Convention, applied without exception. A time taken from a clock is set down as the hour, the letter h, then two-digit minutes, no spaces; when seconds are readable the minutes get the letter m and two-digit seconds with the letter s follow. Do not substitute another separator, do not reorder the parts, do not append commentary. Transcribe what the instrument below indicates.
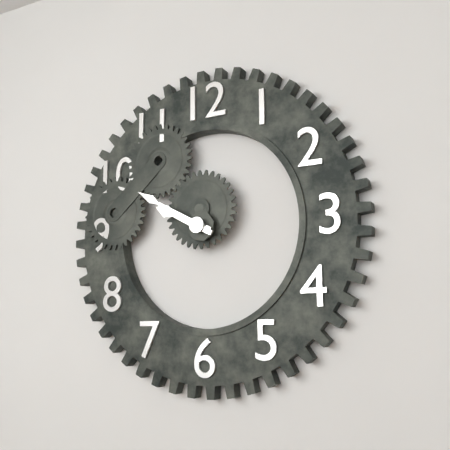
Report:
9h50
